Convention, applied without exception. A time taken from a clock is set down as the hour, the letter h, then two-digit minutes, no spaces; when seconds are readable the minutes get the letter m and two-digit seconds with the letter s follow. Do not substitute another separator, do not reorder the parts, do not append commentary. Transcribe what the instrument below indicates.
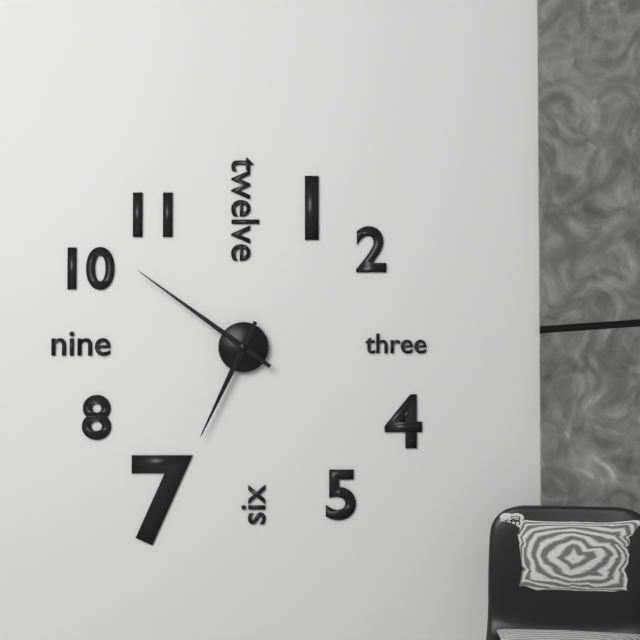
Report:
6h51
